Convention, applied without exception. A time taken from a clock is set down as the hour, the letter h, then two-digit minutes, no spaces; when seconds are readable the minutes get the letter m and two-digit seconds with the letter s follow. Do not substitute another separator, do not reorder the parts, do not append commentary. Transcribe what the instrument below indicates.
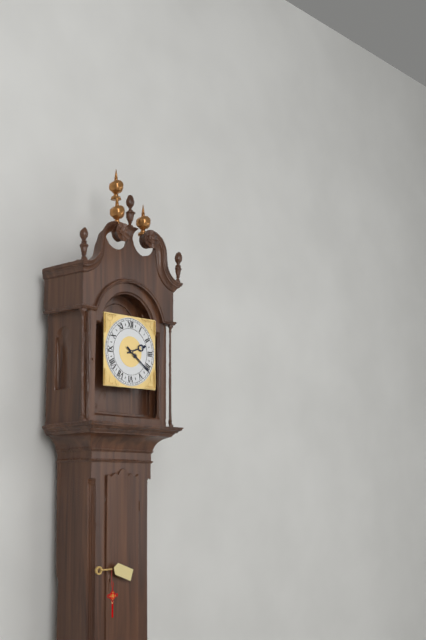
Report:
2h21
